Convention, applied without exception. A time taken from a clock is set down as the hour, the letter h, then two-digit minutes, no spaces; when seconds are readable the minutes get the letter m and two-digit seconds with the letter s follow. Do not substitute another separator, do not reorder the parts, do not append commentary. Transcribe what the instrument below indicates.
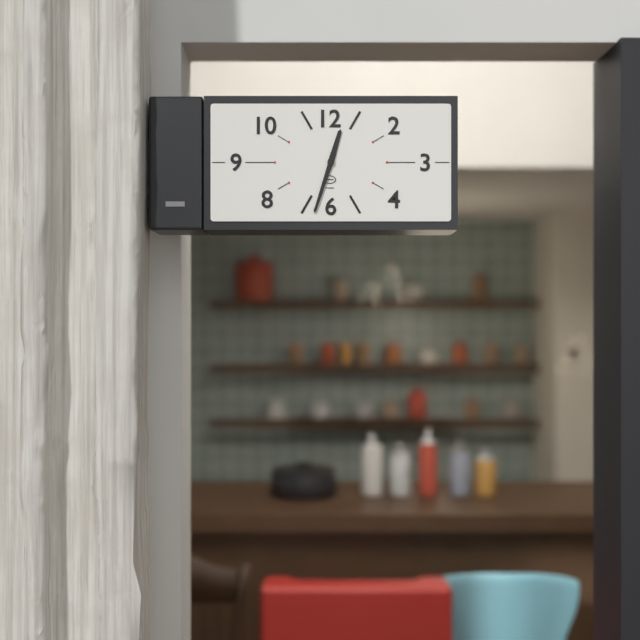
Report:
12h33
